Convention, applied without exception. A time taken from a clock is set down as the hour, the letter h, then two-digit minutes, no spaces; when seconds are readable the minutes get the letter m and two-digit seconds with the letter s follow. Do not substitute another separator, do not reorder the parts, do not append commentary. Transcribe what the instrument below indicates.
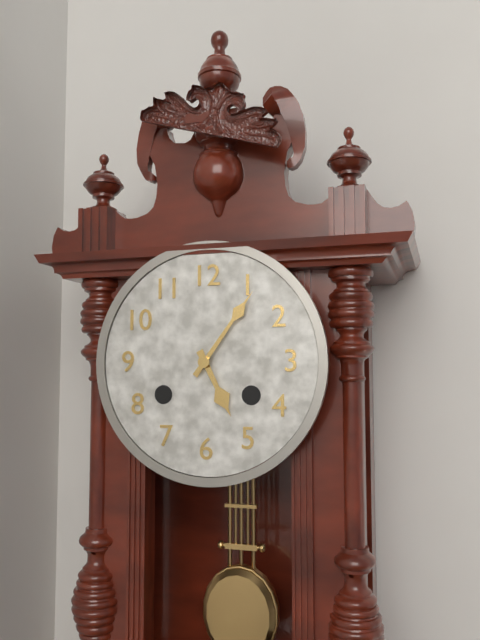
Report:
5h06
